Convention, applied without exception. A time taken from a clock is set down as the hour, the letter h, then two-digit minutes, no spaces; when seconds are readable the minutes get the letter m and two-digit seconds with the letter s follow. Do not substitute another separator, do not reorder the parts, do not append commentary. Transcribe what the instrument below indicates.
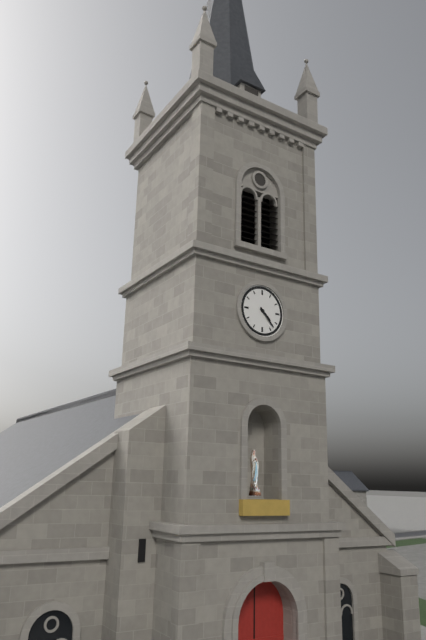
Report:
4h23
